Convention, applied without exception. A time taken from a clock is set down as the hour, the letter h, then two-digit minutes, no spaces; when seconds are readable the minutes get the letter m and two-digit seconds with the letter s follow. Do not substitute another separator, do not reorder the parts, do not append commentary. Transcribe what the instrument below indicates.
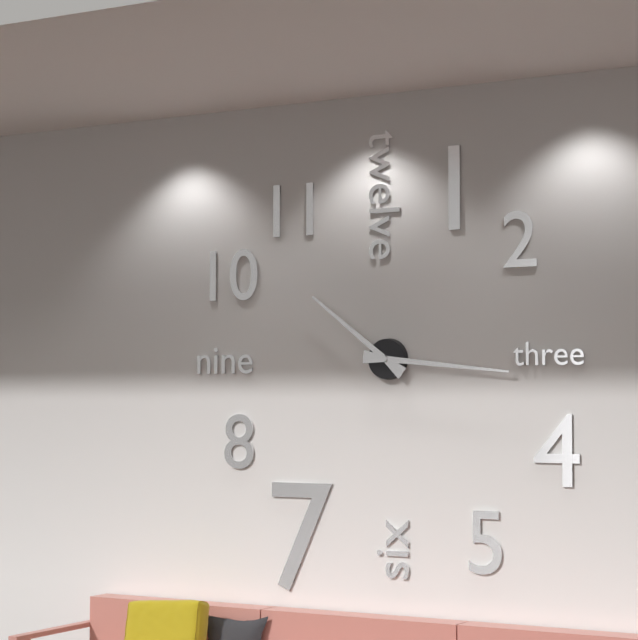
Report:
10h16
